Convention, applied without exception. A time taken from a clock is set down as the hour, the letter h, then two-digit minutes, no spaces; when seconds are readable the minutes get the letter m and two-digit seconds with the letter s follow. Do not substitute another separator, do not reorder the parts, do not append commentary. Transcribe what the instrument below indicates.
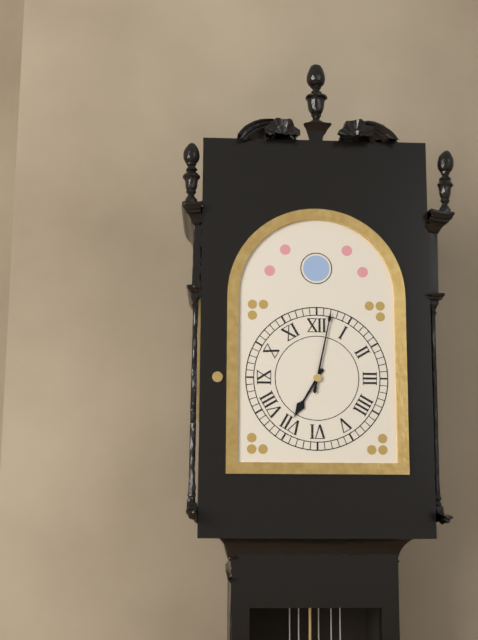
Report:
7h02
